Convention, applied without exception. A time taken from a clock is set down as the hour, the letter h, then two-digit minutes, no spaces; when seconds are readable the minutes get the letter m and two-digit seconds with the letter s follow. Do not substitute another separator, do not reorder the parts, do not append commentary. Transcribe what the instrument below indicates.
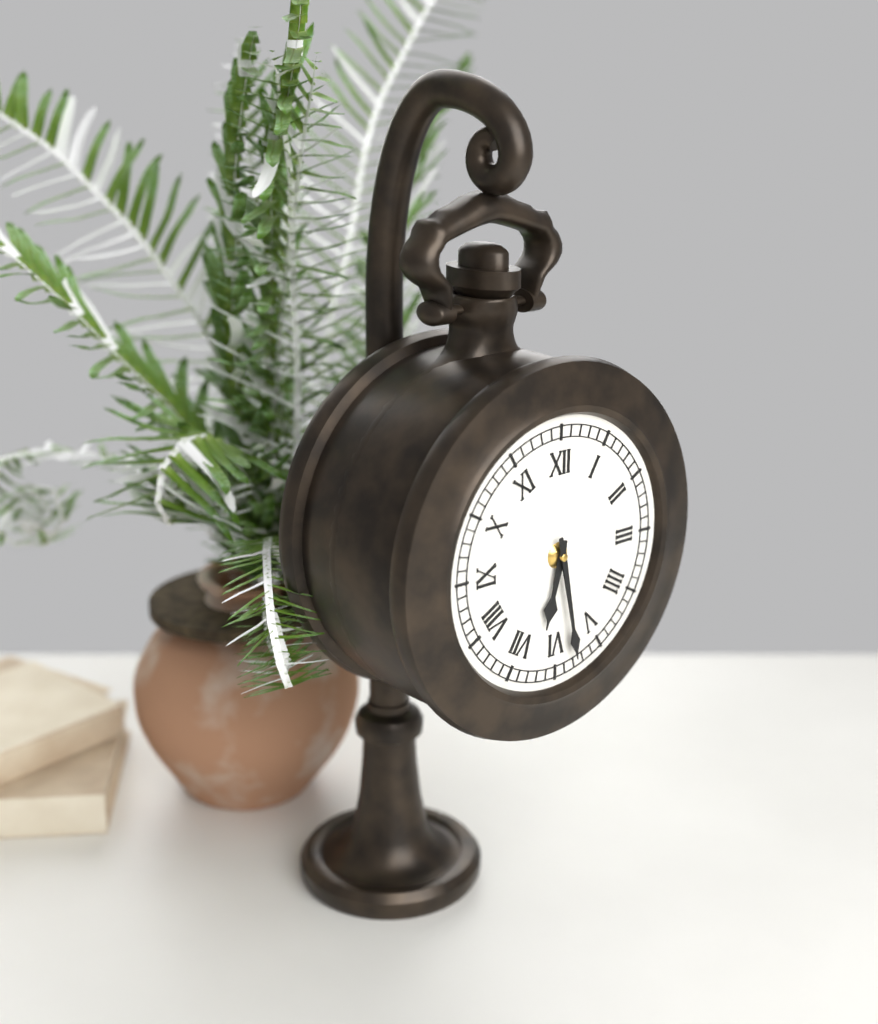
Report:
6h28
